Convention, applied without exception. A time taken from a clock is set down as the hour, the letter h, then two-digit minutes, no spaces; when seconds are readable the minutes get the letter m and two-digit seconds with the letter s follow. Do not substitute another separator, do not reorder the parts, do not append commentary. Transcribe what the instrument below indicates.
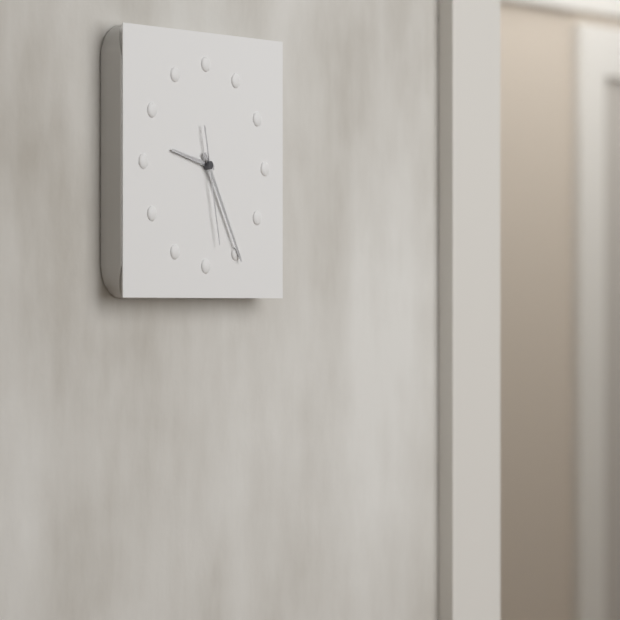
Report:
9h25m28s
